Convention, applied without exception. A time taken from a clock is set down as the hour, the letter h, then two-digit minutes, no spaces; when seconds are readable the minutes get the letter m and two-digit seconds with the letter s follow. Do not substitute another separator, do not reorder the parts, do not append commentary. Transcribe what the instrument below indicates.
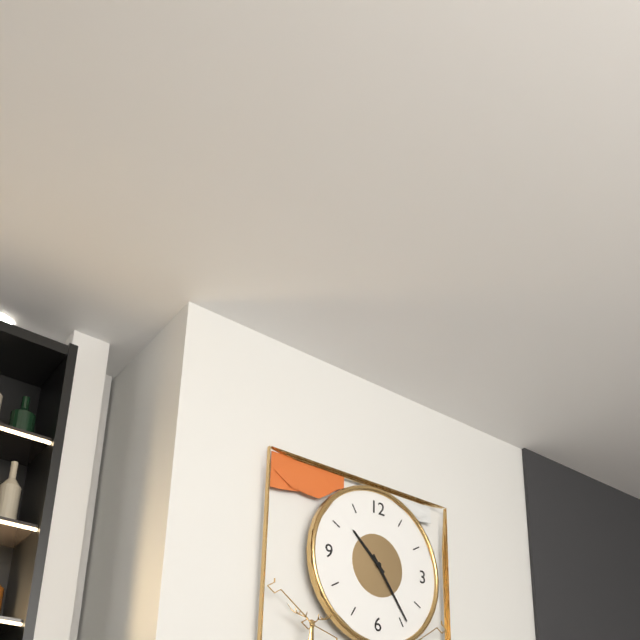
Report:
10h24
